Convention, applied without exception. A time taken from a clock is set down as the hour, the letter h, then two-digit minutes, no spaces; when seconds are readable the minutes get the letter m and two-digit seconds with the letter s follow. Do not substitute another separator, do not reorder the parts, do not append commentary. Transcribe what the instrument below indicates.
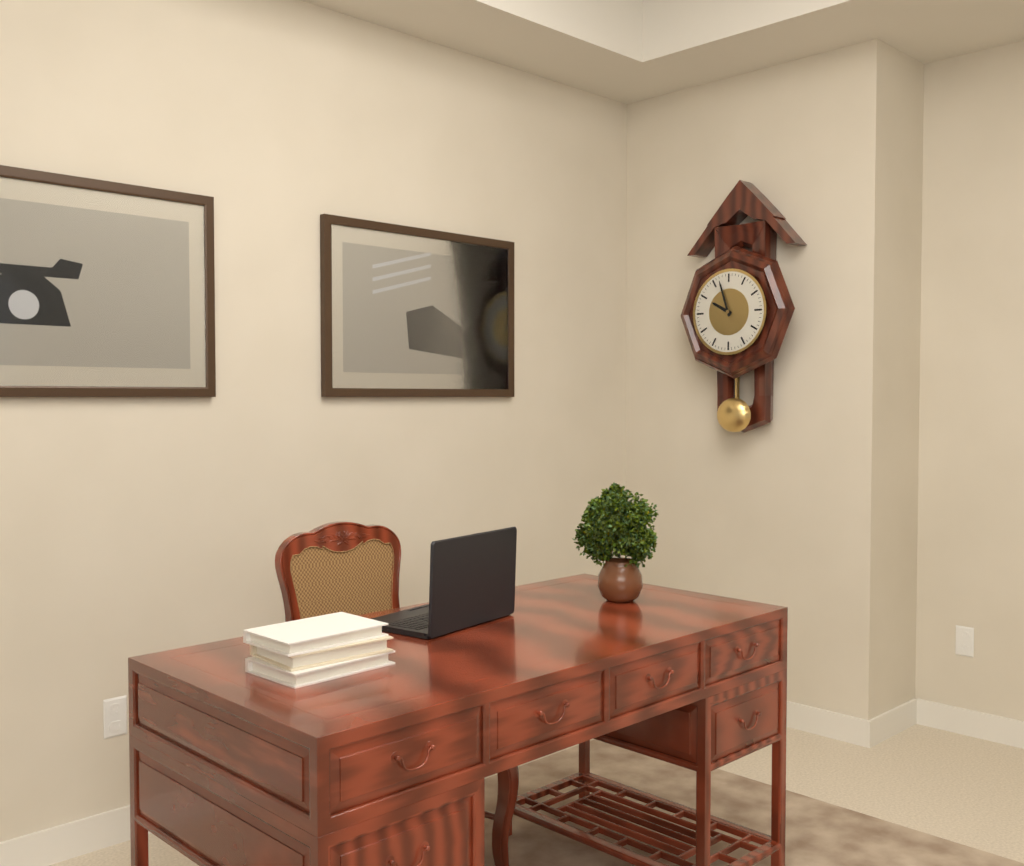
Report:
9h57
